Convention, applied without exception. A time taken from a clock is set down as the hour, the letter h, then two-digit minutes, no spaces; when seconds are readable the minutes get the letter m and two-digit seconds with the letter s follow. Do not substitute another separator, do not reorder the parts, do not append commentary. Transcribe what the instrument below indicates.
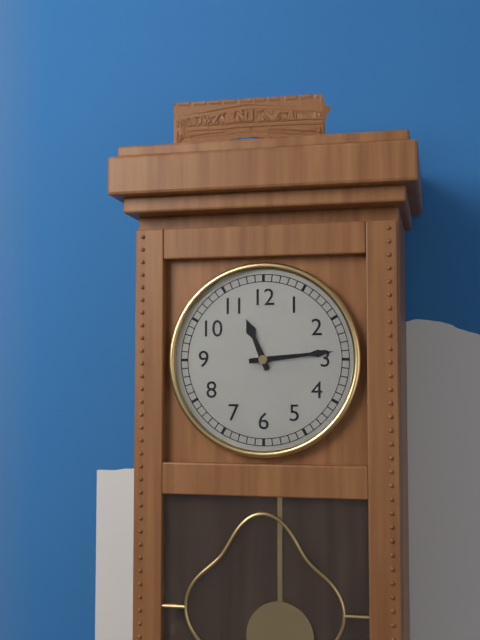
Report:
11h14
